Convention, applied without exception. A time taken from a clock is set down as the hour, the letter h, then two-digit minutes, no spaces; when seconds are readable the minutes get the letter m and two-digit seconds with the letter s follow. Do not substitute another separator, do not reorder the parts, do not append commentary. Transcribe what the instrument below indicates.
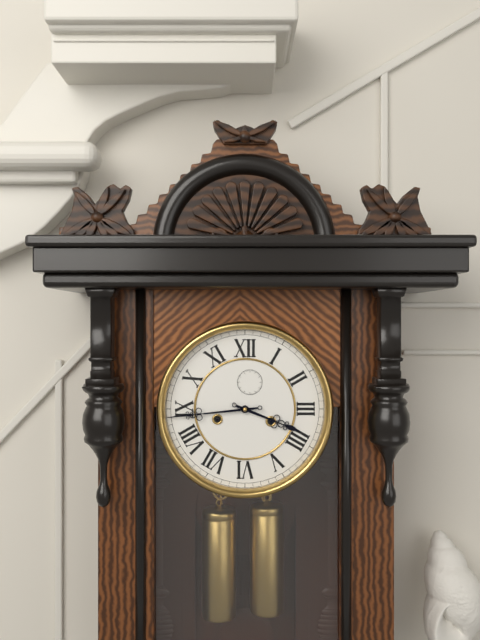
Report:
3h44
